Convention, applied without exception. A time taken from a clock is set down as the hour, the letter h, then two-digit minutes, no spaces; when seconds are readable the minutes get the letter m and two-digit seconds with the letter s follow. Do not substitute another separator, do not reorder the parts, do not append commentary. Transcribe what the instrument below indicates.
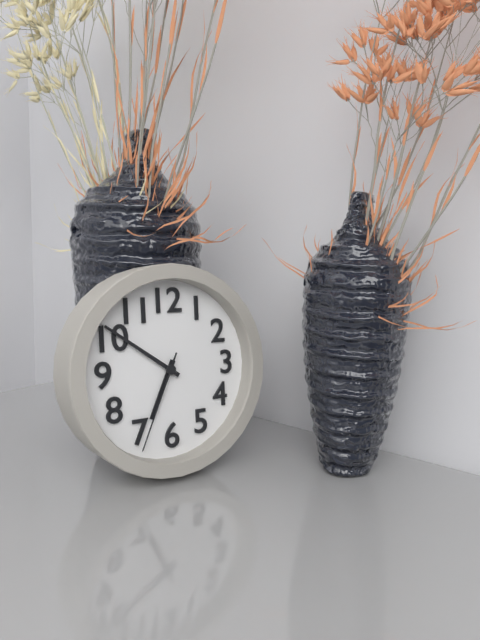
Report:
6h51m34s
